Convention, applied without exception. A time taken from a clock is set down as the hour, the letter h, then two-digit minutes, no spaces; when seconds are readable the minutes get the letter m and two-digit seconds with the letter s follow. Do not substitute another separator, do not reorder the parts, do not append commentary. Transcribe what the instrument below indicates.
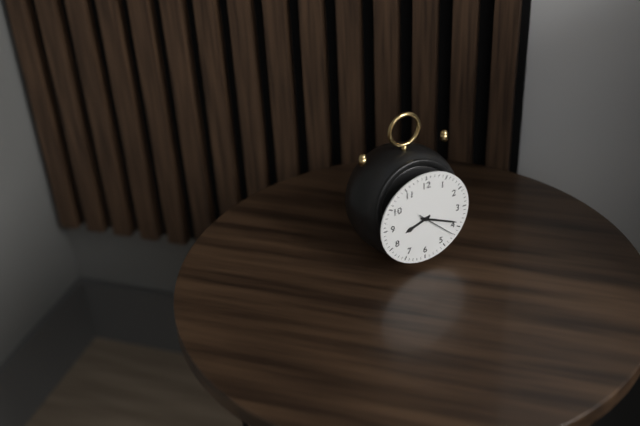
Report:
8h19m22s
